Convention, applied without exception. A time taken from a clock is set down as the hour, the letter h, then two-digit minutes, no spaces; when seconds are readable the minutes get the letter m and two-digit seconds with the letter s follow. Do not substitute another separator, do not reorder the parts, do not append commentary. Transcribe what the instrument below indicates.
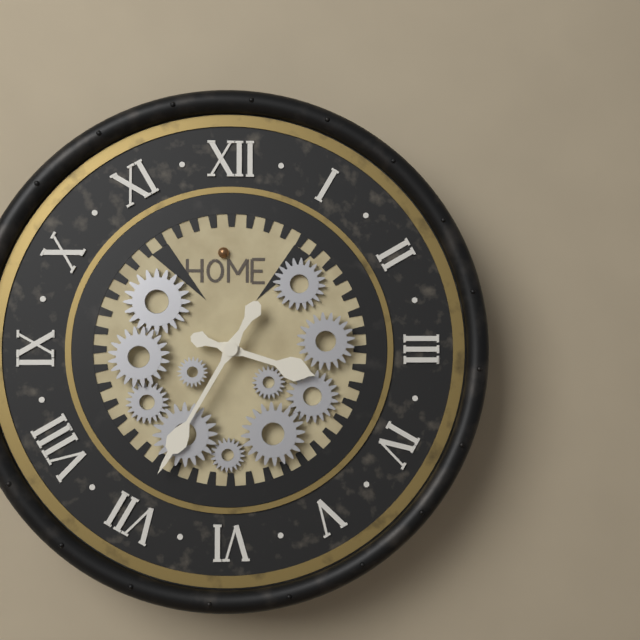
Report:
3h35
